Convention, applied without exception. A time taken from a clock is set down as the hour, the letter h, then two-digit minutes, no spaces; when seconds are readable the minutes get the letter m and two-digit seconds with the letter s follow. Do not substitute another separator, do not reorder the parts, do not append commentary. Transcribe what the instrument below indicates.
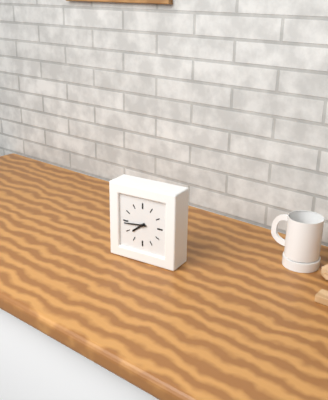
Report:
7h44
